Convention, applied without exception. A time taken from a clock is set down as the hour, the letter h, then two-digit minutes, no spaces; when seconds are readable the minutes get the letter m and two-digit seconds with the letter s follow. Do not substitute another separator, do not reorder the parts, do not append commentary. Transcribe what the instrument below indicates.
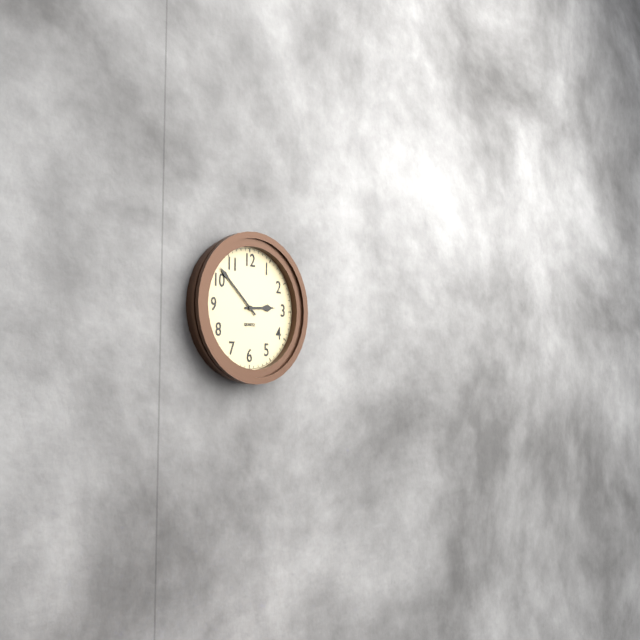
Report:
2h52
